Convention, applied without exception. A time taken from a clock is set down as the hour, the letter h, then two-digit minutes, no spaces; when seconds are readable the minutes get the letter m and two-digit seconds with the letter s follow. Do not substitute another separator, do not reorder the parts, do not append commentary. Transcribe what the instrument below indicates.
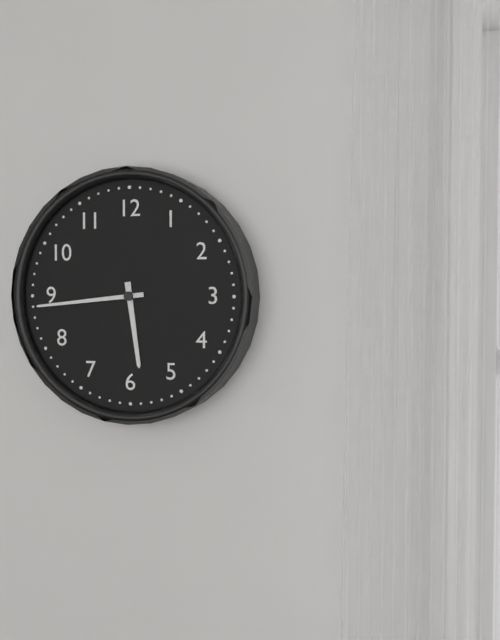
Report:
5h44
